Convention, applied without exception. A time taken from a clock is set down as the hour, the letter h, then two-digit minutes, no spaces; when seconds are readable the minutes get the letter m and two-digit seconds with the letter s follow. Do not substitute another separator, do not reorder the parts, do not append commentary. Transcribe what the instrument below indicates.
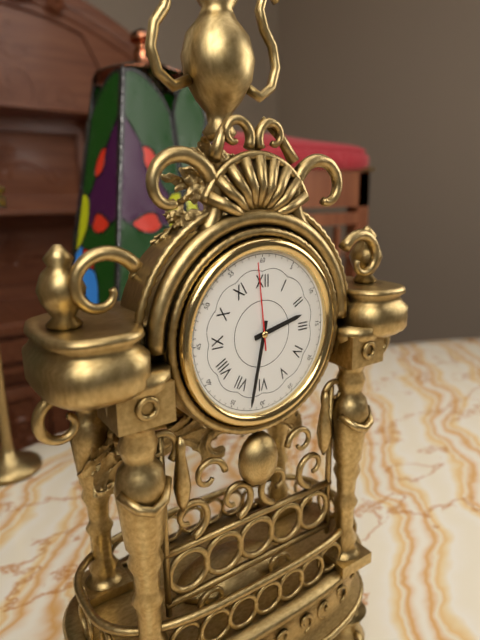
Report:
2h32m59s
